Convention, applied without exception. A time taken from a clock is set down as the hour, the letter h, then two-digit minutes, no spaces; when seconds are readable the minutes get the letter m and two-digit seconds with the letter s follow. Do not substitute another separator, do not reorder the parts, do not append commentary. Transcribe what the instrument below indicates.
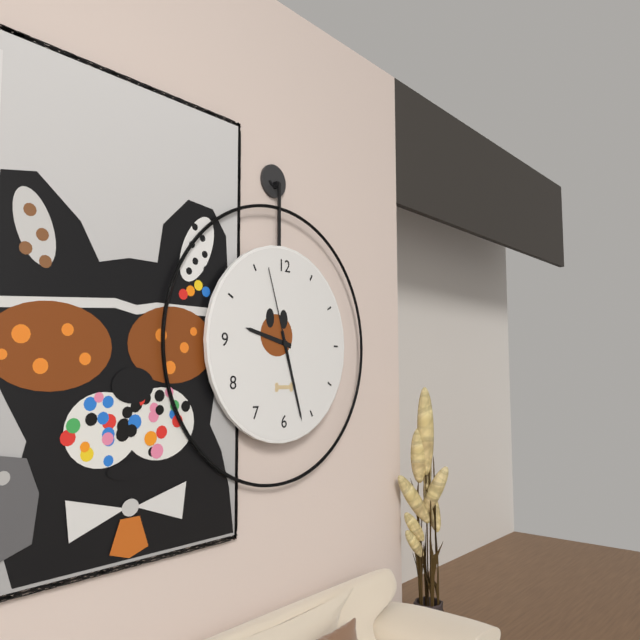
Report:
9h27m57s
